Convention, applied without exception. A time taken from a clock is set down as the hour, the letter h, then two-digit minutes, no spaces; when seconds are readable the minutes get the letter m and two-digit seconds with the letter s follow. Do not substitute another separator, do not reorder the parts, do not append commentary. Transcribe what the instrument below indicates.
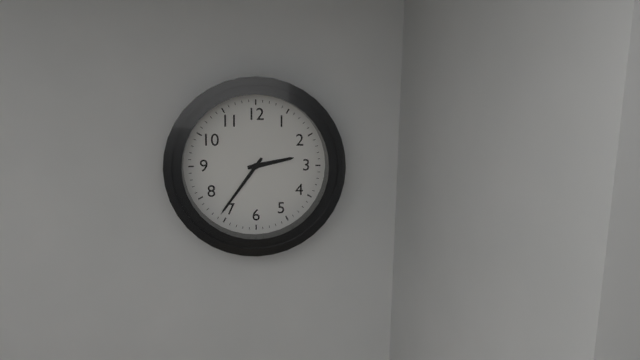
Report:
2h36
